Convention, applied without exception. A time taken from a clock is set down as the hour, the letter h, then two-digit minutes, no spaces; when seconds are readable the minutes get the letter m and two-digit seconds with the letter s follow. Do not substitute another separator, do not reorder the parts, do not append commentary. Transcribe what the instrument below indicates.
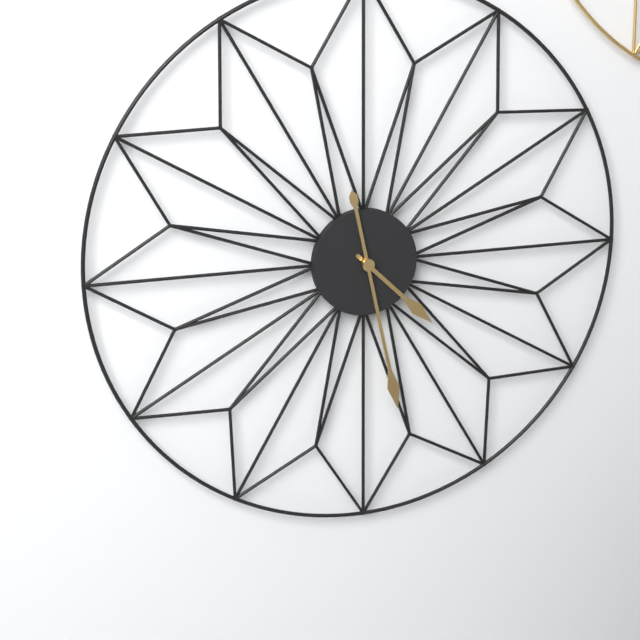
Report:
4h28
